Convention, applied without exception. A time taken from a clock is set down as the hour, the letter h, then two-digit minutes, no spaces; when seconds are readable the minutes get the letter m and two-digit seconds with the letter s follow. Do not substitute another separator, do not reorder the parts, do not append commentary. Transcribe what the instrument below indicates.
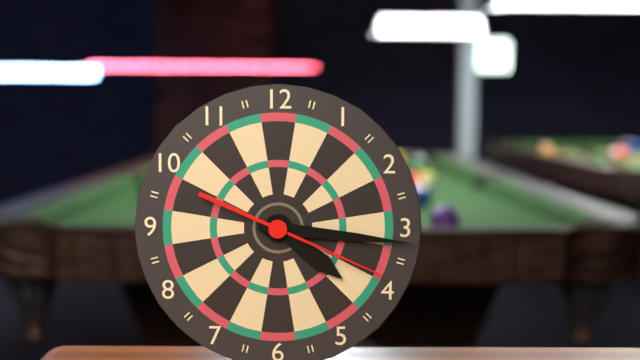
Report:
4h16m19s
